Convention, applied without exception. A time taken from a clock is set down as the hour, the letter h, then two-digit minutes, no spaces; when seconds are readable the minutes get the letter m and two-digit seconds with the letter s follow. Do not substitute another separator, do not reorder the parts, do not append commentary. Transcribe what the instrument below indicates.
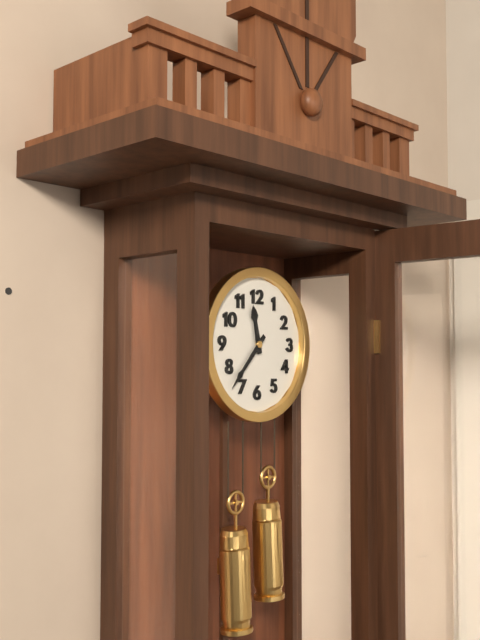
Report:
11h37
